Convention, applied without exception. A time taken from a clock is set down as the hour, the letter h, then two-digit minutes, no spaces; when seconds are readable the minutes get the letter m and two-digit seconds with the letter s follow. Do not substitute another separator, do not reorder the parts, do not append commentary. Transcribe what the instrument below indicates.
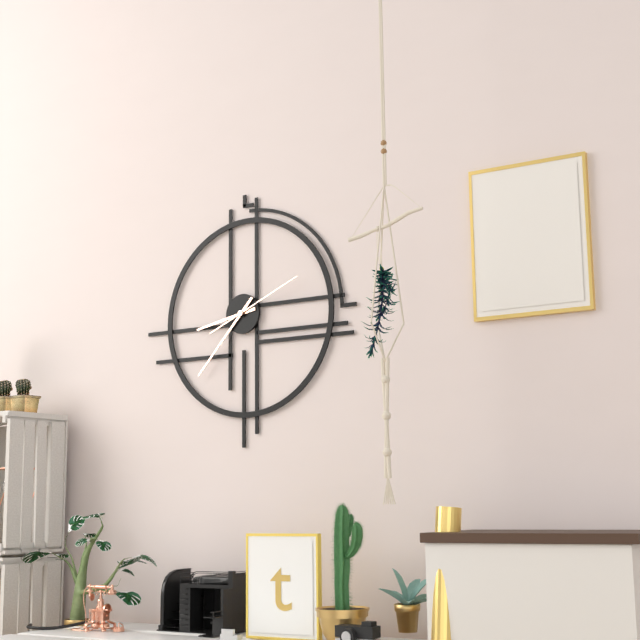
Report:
8h37m11s
